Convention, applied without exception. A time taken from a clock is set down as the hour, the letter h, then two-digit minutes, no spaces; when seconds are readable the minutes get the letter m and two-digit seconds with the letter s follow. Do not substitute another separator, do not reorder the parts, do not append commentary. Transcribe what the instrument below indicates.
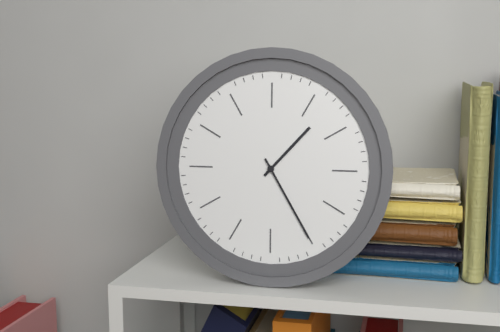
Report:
1h25
